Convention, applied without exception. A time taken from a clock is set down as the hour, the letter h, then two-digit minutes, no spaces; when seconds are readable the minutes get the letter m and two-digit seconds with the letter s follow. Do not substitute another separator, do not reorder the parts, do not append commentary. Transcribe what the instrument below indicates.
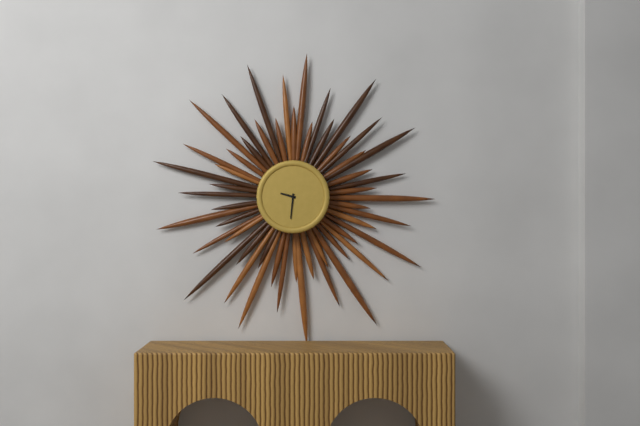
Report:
9h31
